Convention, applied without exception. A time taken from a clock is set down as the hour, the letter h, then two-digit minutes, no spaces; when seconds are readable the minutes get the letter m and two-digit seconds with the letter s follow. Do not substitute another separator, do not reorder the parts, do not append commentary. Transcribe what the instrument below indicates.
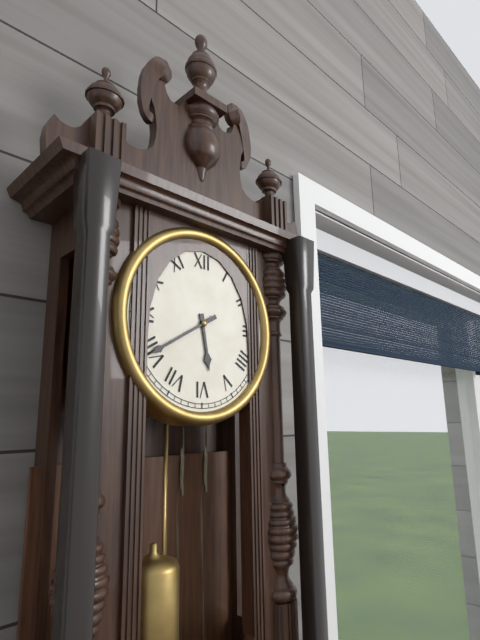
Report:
5h40
